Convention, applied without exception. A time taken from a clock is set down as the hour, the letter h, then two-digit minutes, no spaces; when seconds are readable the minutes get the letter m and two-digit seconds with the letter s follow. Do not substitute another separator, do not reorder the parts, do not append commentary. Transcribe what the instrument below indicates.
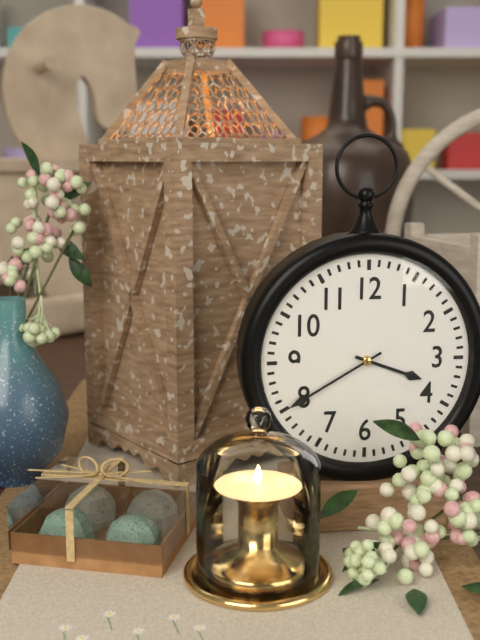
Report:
3h40
